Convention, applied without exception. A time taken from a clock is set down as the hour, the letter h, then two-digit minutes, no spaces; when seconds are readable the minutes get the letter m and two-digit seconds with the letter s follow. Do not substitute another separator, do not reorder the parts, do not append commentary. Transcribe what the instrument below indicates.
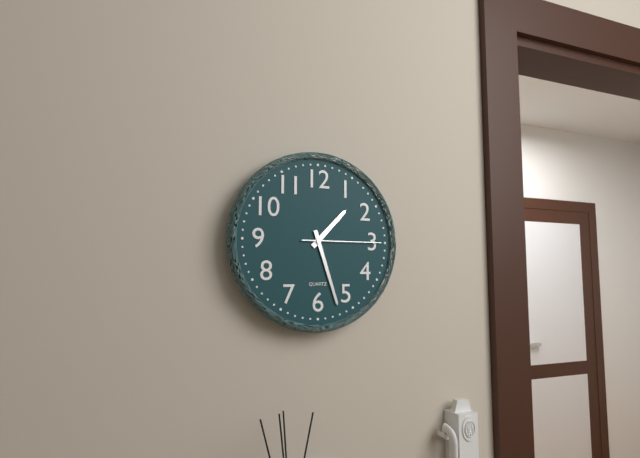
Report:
1h27m15s
